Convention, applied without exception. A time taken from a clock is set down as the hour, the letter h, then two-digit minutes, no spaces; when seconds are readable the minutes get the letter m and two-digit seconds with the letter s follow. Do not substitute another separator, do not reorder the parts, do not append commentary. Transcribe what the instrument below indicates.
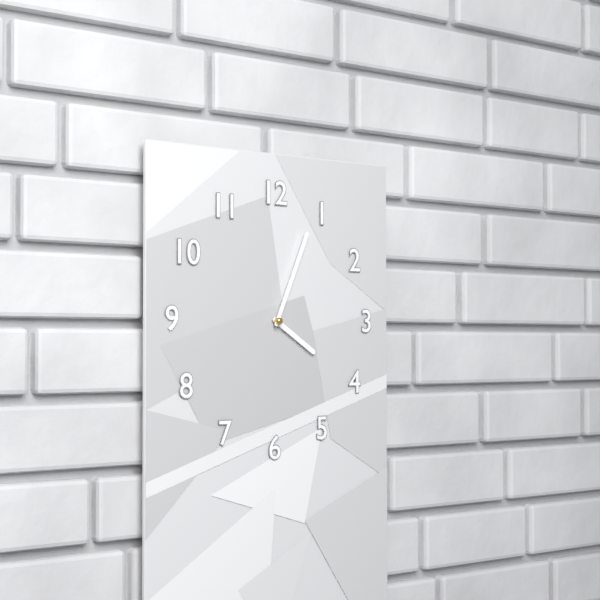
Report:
4h04
